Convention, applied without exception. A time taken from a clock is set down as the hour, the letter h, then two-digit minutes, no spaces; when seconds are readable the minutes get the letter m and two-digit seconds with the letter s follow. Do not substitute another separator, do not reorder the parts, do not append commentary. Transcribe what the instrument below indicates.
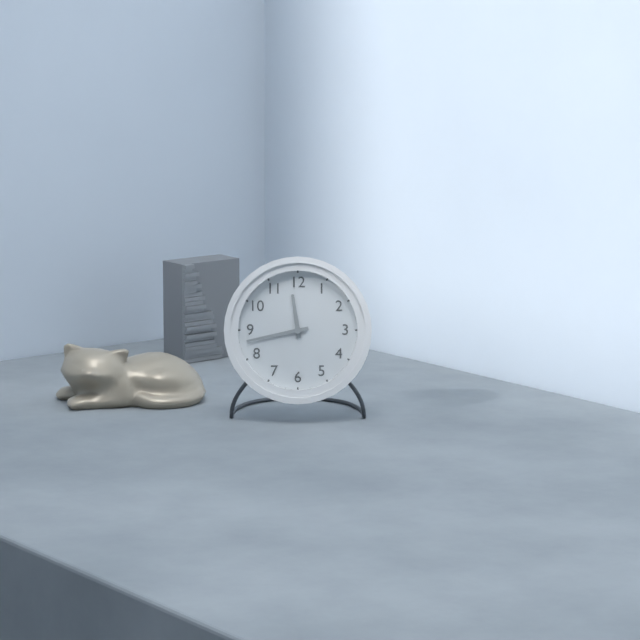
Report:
11h43
